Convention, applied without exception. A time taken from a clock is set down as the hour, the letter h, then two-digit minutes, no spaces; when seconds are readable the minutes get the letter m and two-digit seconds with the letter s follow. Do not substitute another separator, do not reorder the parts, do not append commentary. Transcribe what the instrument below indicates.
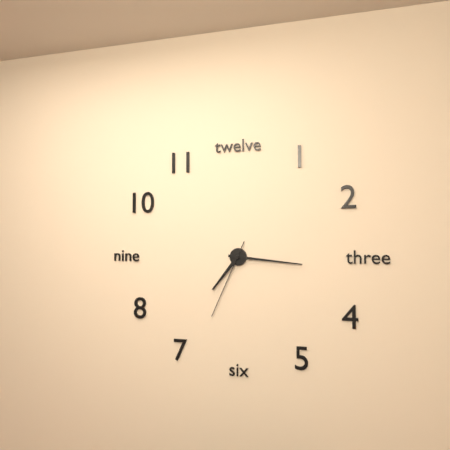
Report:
7h16m34s
